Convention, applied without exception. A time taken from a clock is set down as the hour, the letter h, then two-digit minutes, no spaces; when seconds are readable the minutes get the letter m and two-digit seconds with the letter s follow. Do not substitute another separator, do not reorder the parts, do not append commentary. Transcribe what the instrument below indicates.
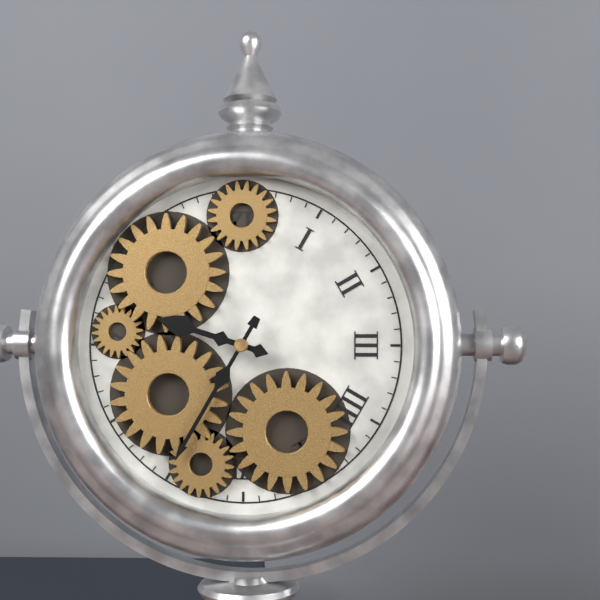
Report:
9h35
